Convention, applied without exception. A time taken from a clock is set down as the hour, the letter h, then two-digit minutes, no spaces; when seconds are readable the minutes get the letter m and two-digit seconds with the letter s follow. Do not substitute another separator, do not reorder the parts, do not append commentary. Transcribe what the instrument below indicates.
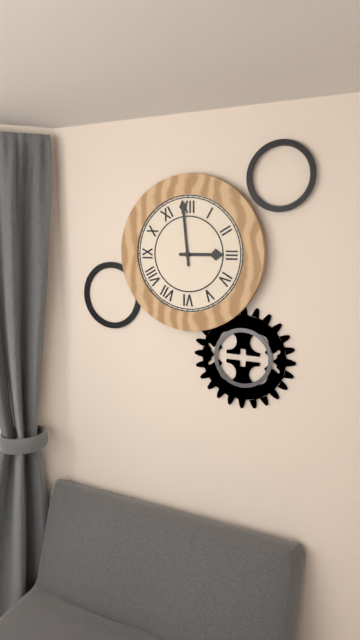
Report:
2h59
